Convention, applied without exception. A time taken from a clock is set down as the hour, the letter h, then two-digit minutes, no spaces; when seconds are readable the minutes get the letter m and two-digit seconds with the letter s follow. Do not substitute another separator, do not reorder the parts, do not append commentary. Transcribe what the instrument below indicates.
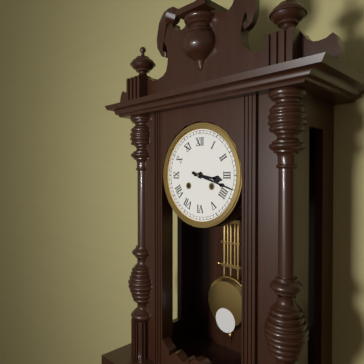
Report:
3h18
